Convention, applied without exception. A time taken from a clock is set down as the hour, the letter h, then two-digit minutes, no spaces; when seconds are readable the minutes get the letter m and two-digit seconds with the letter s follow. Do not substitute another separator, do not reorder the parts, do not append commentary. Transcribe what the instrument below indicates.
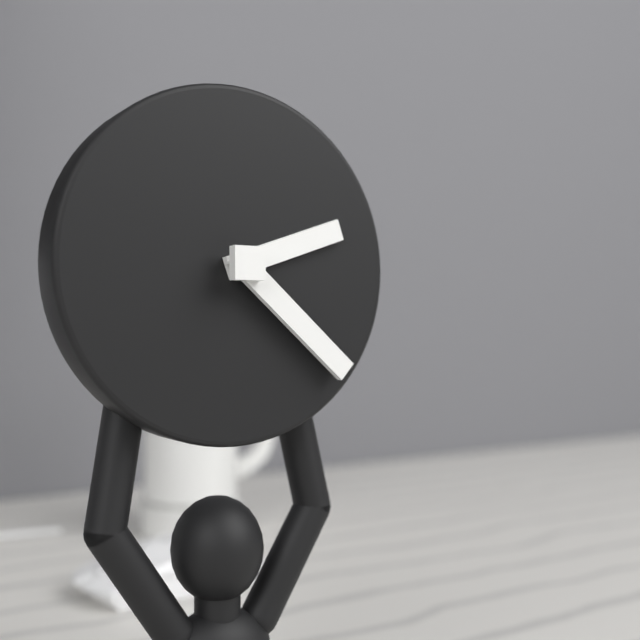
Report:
2h22
